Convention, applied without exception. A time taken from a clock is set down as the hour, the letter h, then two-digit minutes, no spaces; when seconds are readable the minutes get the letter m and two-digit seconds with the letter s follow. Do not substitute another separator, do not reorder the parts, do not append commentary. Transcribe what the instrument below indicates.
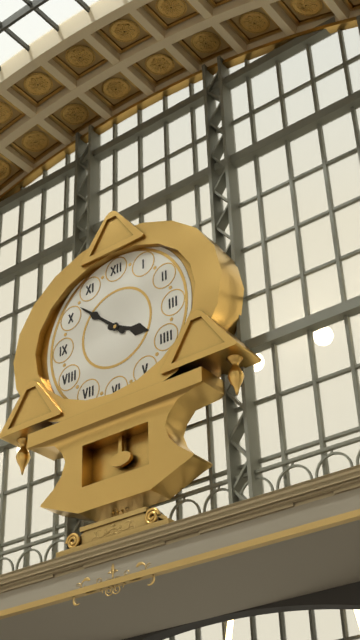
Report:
3h52
